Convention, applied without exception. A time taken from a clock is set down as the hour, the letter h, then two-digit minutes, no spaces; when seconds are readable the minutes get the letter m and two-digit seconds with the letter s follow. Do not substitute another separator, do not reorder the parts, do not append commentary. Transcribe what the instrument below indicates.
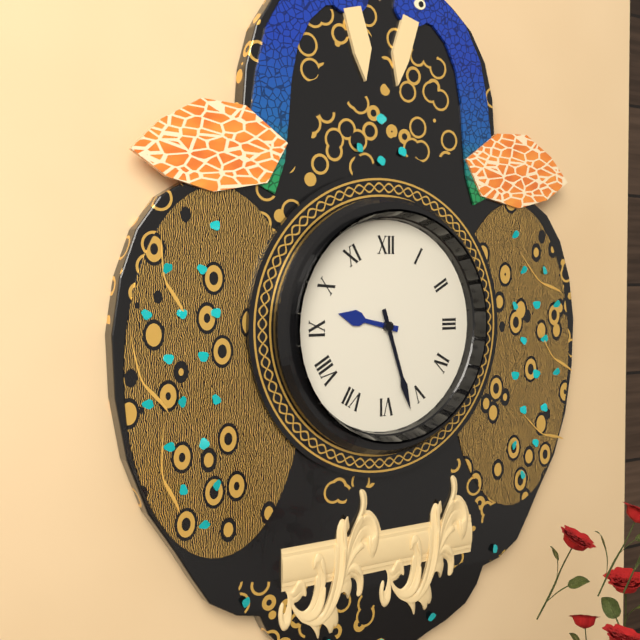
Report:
9h27
